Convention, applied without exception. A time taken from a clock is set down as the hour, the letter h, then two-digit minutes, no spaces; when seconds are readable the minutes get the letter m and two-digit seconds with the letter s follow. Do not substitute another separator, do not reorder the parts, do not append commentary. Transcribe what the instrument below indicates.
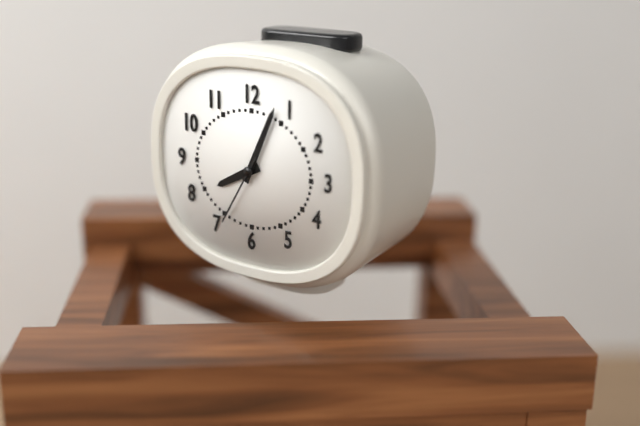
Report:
8h04m35s
